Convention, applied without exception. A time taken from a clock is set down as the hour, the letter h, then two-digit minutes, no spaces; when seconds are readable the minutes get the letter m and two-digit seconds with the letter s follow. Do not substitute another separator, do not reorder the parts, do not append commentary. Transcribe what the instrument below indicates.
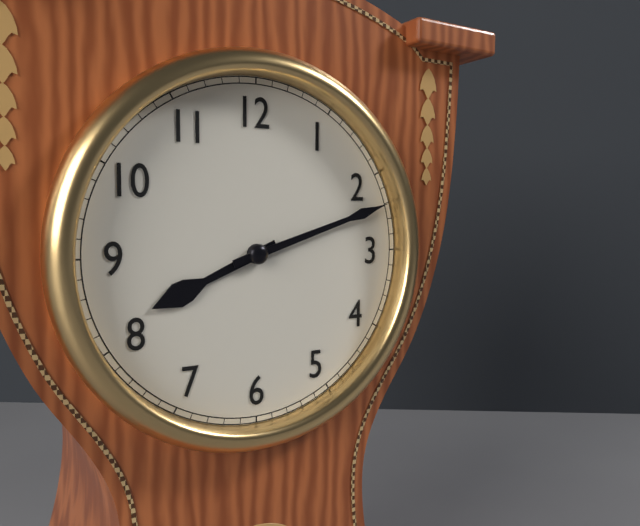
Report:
8h12
